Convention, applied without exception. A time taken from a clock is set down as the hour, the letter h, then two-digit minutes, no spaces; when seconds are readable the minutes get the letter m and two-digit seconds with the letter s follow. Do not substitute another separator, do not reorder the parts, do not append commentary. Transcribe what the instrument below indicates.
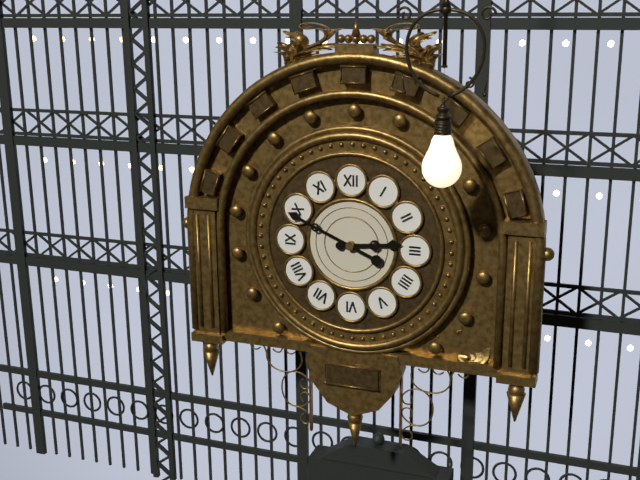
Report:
2h49
